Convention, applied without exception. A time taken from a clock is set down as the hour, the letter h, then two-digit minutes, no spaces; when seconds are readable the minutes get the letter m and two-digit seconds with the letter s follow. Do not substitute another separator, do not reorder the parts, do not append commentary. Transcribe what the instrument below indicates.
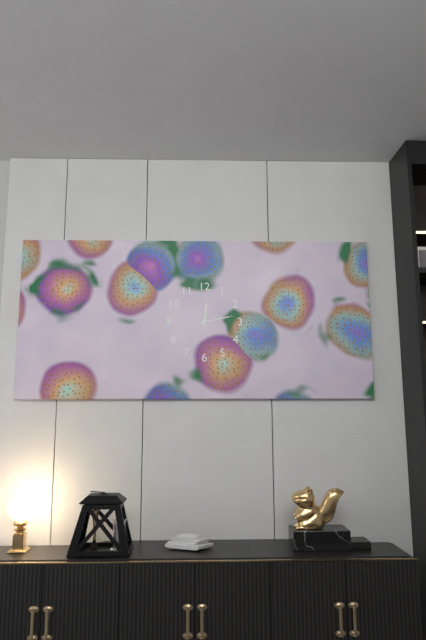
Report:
12h13
